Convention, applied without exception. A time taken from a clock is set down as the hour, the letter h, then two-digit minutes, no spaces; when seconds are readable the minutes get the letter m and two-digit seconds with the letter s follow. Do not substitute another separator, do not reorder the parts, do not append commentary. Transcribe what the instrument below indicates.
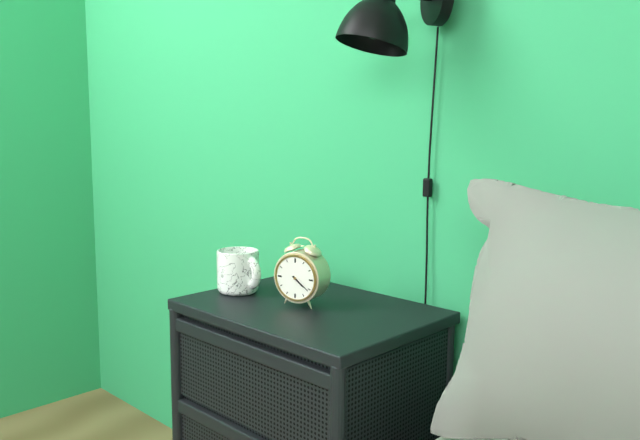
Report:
4h21
